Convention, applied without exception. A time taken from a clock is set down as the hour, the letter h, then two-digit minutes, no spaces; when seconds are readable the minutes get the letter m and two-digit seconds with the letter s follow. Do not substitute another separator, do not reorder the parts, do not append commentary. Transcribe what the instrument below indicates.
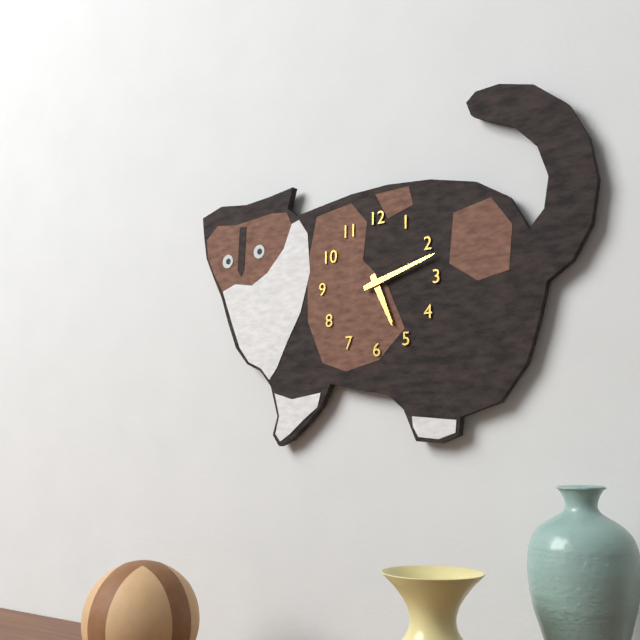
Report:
5h12
